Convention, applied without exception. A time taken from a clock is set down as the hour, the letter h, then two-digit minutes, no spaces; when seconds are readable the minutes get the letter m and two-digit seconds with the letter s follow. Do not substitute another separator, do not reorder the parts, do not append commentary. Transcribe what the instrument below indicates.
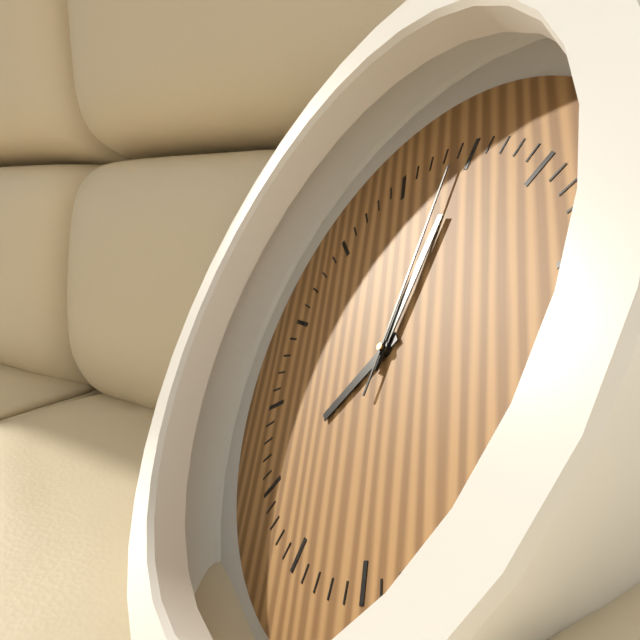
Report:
8h05m04s
